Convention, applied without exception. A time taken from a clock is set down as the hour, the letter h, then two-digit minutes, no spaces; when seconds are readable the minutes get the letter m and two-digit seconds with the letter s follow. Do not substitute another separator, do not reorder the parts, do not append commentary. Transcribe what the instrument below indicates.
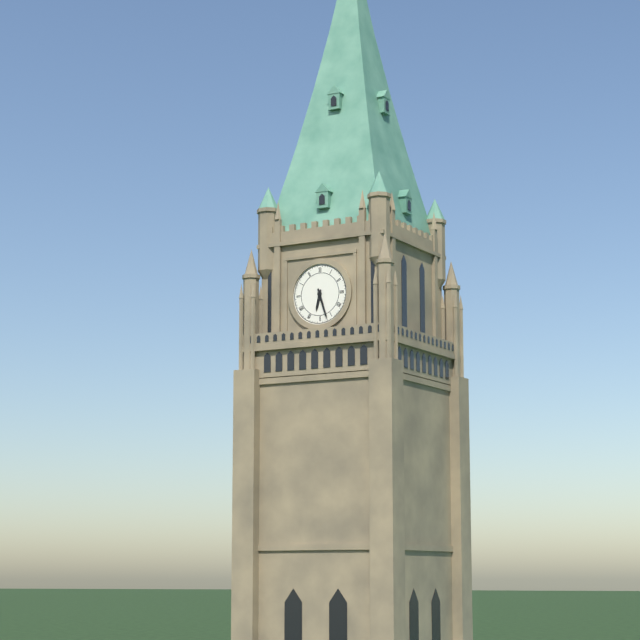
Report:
6h27
